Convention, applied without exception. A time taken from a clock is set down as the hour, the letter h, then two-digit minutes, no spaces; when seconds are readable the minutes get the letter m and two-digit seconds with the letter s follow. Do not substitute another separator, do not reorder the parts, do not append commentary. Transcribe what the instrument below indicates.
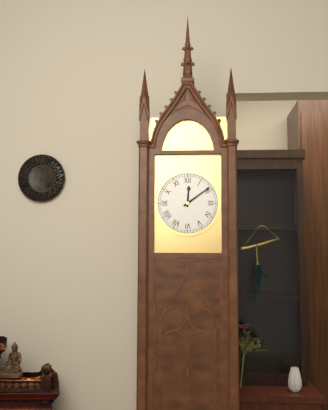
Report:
12h09
